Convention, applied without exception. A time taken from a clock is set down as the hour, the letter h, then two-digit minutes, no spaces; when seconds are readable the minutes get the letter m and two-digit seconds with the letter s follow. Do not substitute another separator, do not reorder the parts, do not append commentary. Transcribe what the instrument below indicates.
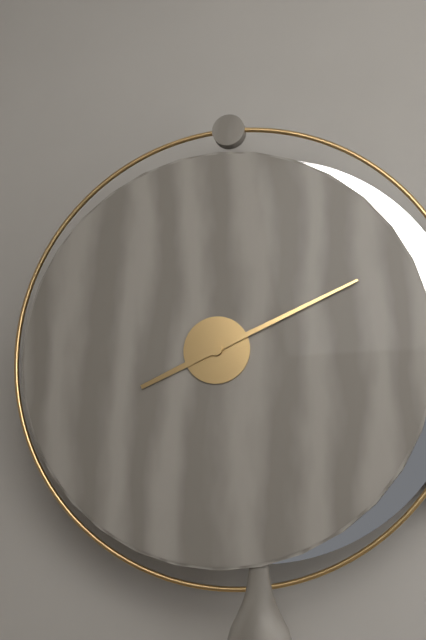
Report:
8h11
